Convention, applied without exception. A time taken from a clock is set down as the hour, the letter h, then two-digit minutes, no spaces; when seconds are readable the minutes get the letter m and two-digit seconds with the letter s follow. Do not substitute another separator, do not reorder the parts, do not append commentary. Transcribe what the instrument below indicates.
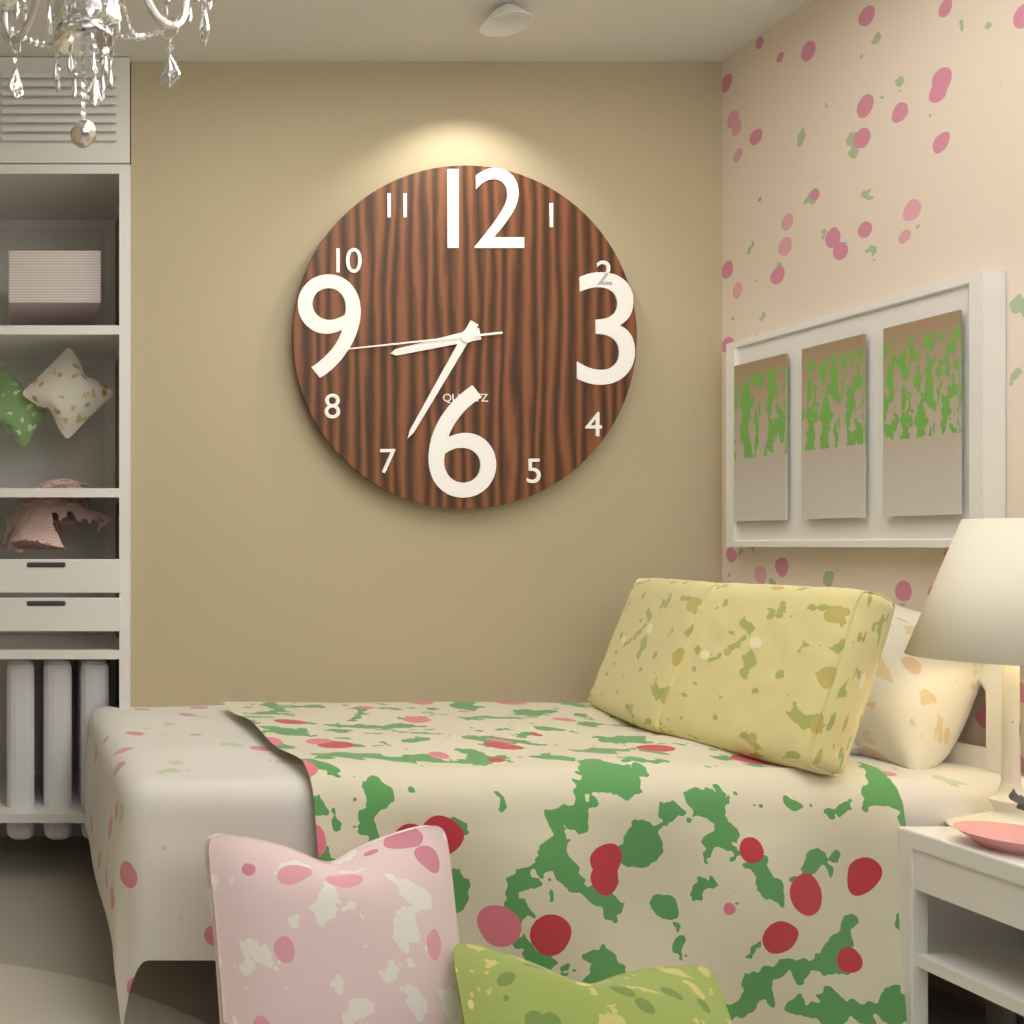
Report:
8h35m44s
